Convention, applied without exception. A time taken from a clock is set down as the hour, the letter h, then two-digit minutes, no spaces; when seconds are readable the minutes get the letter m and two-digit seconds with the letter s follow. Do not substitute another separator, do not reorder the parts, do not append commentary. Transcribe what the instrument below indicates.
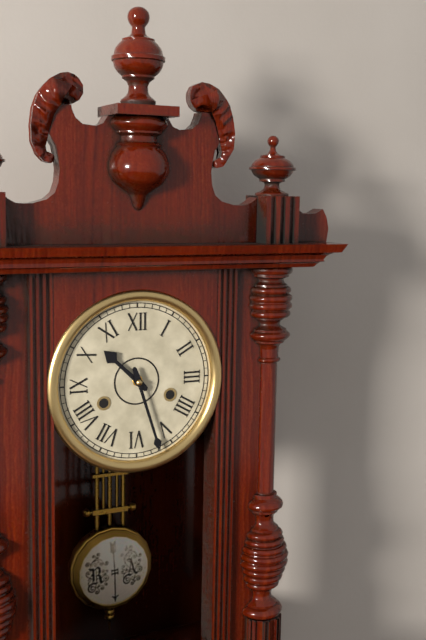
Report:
10h27
